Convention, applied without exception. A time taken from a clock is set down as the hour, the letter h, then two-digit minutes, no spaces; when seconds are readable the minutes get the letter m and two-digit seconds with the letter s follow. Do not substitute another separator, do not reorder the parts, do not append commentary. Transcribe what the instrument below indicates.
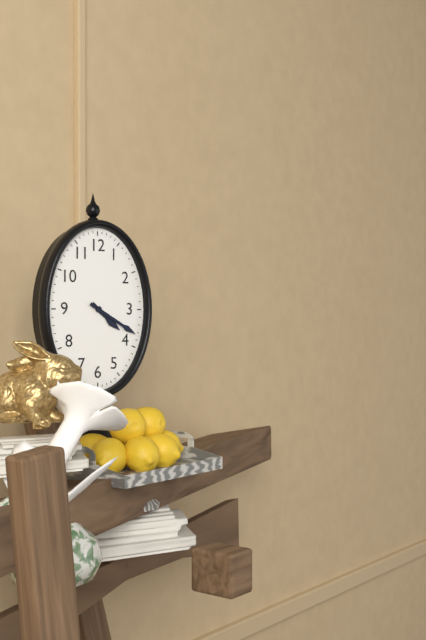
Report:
4h20
